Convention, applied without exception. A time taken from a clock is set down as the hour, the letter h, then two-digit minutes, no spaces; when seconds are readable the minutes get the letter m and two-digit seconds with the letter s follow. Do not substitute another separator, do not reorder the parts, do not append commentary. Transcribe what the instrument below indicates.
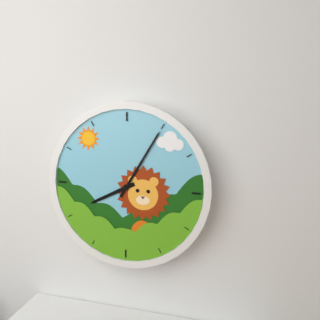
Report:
8h05
